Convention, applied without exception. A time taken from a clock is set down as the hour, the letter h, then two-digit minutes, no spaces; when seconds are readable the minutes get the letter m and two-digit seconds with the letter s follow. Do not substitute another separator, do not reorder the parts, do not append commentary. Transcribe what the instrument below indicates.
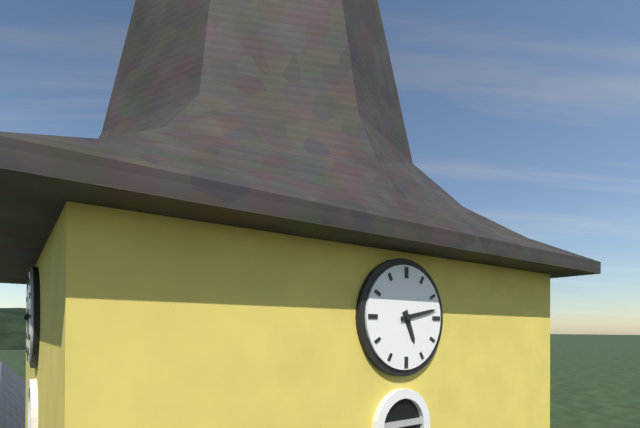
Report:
5h13
